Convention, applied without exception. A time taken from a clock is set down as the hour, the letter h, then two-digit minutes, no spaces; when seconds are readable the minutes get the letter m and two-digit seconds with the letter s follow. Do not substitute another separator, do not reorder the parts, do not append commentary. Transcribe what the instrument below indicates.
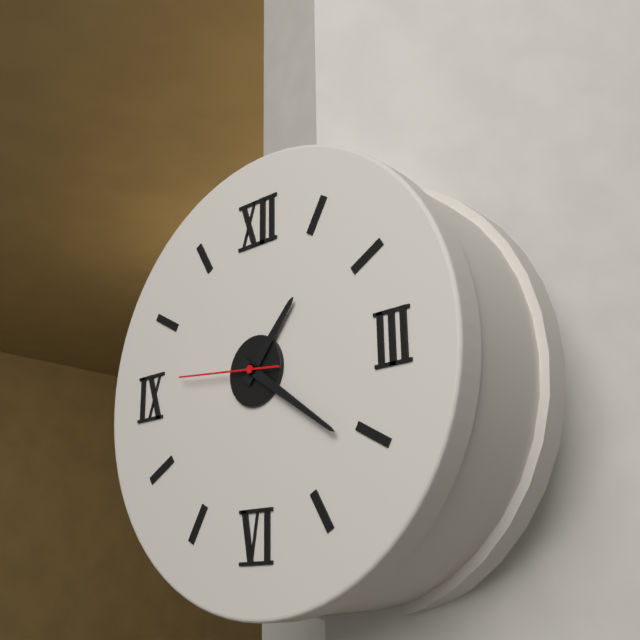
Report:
1h21m46s
